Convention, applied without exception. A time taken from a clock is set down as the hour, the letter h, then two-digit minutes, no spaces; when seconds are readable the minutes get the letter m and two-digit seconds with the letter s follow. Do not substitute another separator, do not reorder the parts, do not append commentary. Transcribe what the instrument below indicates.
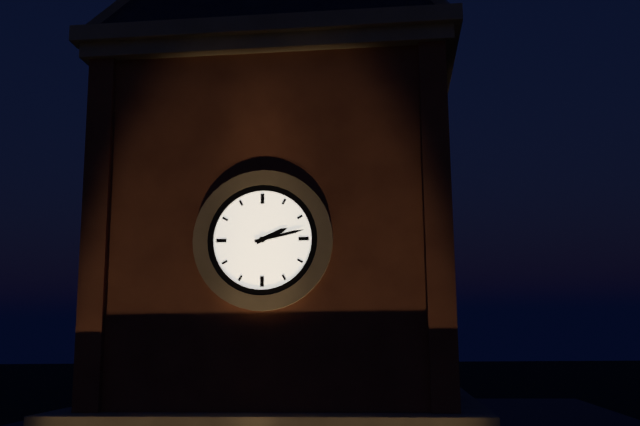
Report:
2h13
